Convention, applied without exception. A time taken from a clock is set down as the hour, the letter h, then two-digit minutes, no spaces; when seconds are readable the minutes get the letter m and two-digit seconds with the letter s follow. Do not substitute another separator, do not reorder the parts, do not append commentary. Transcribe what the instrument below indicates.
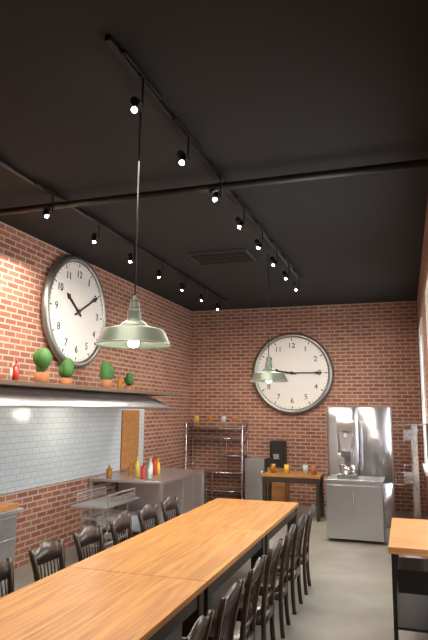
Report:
9h15
